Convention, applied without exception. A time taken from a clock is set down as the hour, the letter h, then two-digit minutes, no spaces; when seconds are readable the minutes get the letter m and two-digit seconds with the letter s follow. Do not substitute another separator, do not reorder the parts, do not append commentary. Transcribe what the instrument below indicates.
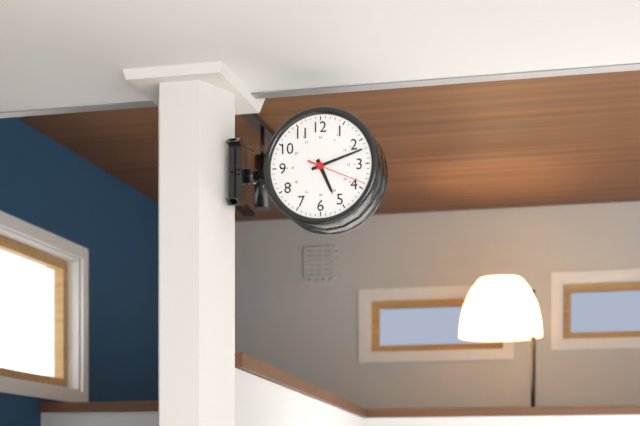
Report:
5h12
